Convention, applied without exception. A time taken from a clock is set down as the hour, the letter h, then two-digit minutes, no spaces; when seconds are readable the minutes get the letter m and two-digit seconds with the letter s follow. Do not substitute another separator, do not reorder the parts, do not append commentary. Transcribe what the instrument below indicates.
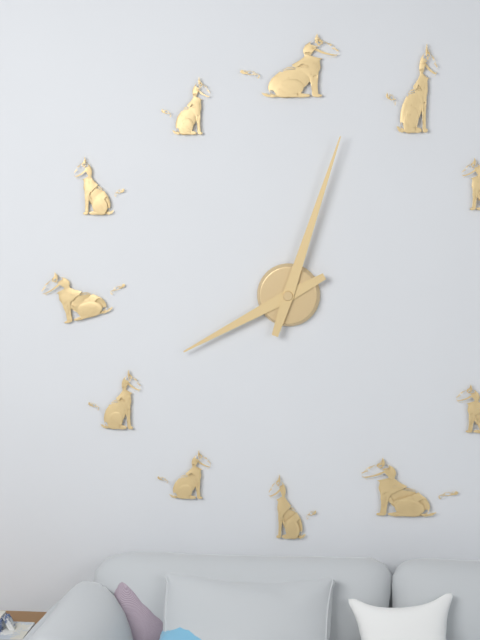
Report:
8h03
